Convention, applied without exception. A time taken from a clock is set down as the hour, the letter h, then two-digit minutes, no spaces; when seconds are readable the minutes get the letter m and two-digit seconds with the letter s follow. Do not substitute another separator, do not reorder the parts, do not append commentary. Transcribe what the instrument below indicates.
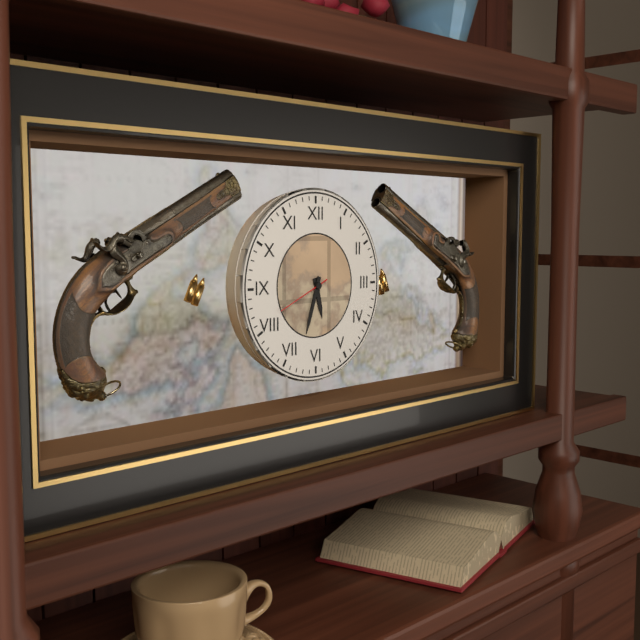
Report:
5h33m41s
